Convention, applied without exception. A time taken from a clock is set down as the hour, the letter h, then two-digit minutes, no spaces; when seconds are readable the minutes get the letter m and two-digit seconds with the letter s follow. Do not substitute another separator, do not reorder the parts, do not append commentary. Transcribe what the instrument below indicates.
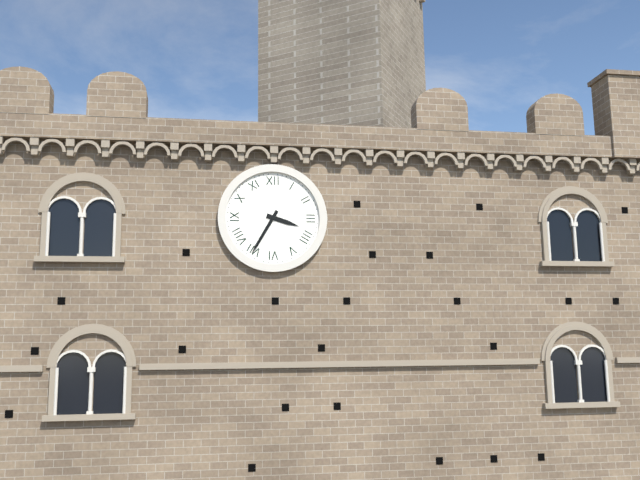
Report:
3h35
